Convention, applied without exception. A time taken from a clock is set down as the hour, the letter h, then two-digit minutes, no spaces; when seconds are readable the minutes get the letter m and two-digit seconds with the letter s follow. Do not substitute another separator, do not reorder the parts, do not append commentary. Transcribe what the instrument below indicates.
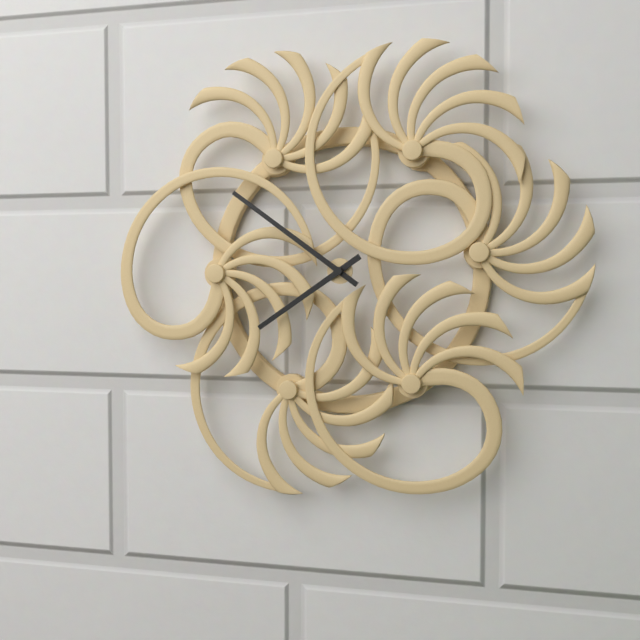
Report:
7h51
